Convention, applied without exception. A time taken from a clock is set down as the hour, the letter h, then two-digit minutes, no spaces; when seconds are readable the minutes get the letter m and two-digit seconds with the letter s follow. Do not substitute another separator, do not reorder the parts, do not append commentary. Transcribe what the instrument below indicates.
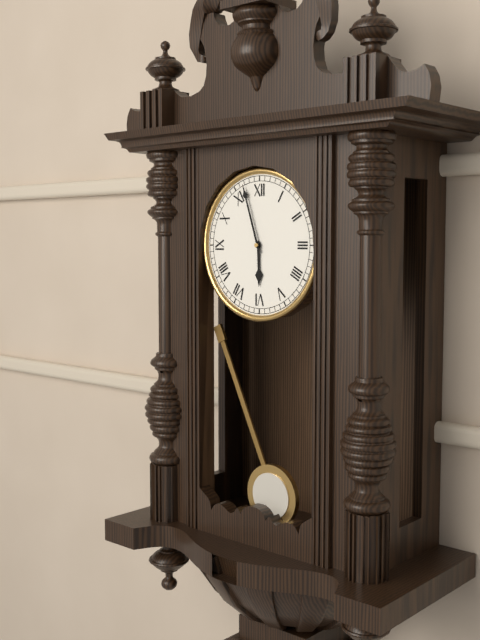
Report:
5h57
